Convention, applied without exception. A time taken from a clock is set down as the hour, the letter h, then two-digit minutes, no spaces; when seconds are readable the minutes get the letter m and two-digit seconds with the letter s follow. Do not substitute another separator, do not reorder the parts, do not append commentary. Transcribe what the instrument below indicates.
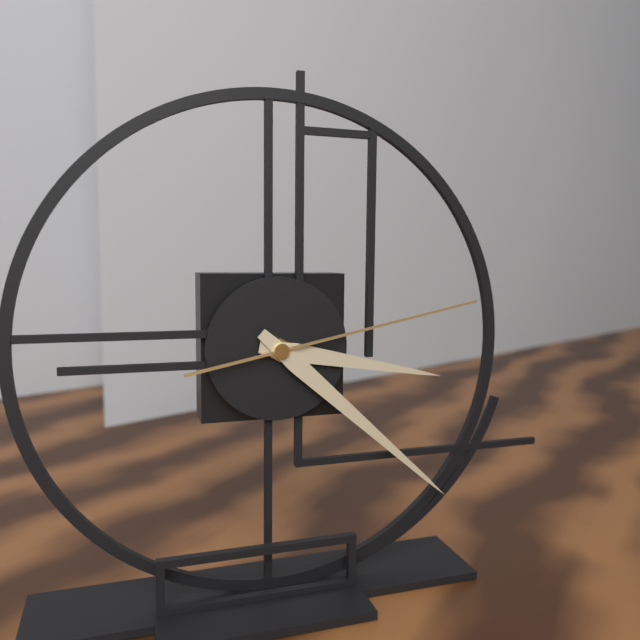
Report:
3h22m13s
